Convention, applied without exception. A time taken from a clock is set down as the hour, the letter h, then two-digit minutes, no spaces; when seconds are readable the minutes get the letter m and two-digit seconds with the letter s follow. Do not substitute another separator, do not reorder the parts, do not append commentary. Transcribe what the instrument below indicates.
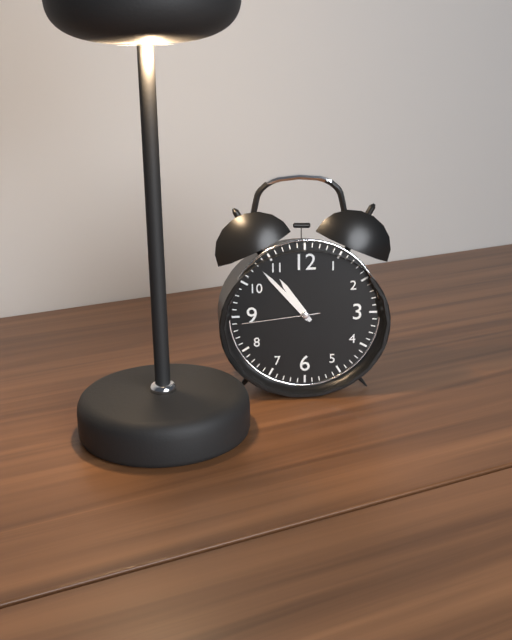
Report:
10h53m44s
